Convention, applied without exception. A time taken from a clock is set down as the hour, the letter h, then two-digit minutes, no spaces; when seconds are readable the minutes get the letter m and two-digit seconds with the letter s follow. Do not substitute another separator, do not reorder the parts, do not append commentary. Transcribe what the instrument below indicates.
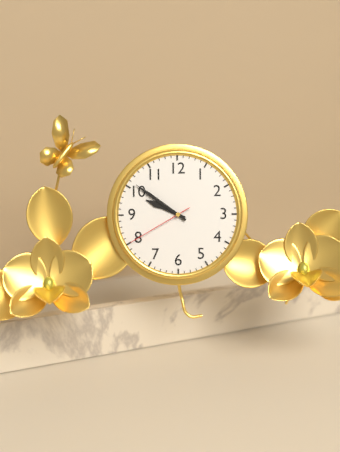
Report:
9h51m40s
